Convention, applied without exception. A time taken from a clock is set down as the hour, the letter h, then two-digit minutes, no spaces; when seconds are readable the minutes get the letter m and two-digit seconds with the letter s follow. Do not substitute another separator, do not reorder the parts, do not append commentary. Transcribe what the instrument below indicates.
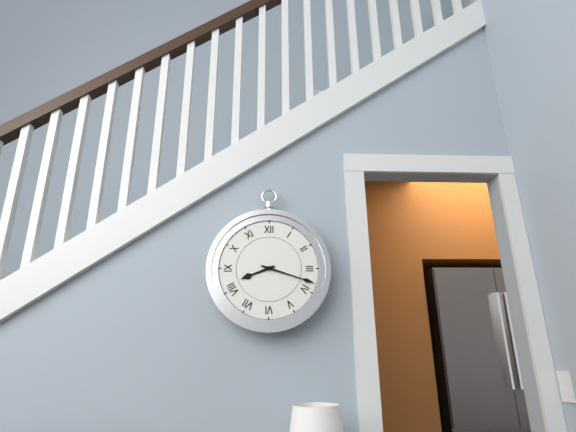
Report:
8h18
